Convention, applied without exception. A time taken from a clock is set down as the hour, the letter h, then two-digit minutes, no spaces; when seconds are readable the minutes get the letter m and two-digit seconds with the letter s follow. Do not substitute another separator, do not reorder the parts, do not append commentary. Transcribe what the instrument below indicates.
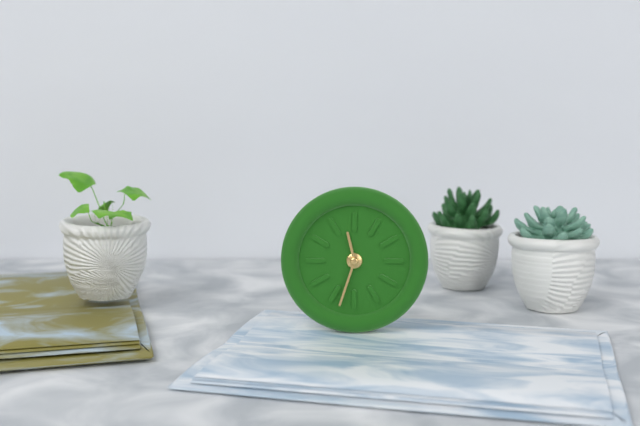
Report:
11h33
